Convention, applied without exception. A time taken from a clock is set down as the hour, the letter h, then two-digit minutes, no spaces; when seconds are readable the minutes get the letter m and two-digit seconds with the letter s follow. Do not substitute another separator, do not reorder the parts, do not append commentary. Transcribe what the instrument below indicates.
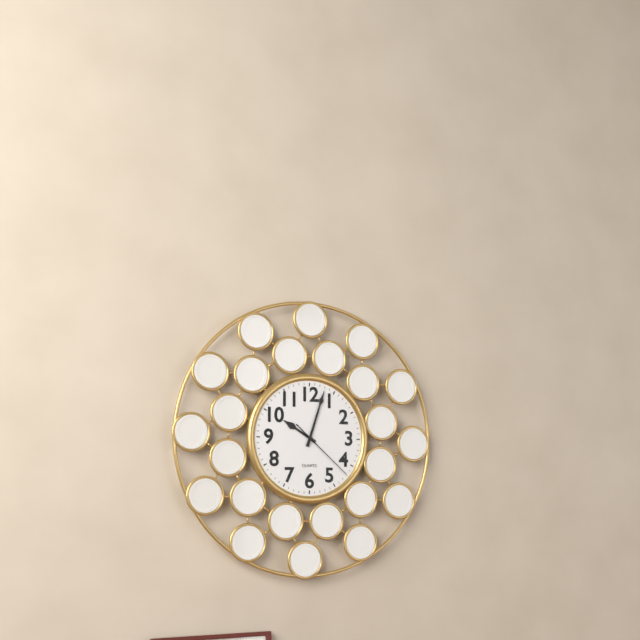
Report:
10h03m22s
